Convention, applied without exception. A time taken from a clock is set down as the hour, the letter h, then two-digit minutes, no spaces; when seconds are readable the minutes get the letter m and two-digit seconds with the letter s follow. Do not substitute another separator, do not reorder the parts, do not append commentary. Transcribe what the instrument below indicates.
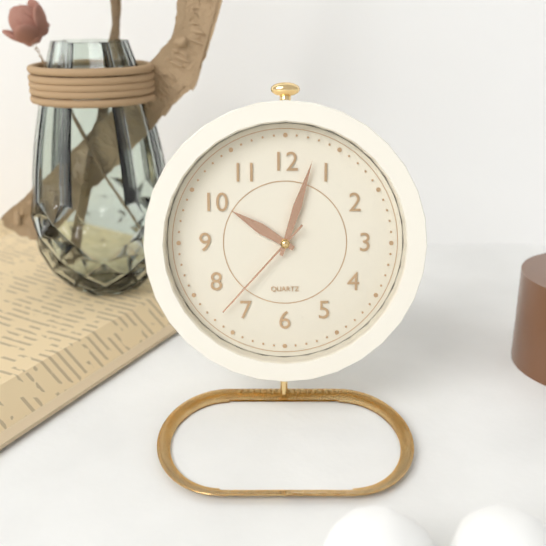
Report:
10h03m37s
